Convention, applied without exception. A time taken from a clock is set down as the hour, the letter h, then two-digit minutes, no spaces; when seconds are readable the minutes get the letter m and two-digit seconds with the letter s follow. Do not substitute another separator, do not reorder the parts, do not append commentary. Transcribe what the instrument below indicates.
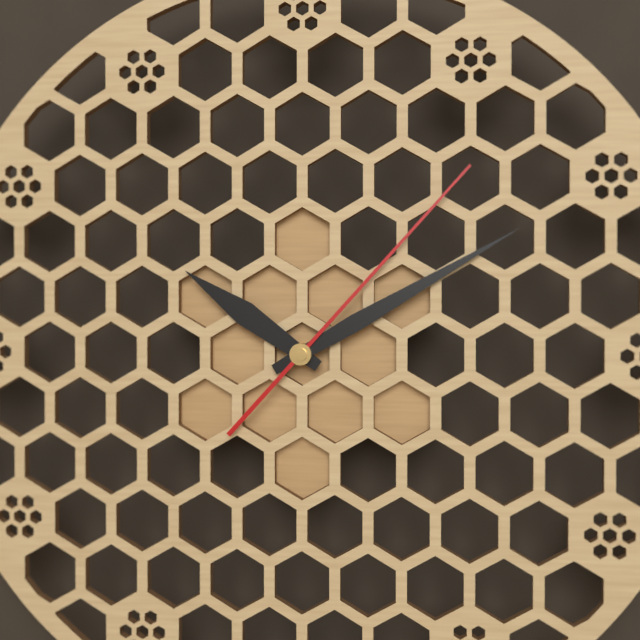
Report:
10h10m07s
